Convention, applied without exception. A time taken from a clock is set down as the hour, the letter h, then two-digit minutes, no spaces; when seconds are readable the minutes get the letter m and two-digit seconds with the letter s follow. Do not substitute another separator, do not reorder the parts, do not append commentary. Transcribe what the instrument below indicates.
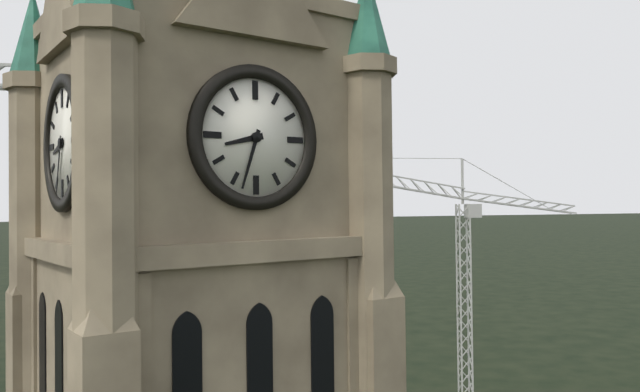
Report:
8h33
